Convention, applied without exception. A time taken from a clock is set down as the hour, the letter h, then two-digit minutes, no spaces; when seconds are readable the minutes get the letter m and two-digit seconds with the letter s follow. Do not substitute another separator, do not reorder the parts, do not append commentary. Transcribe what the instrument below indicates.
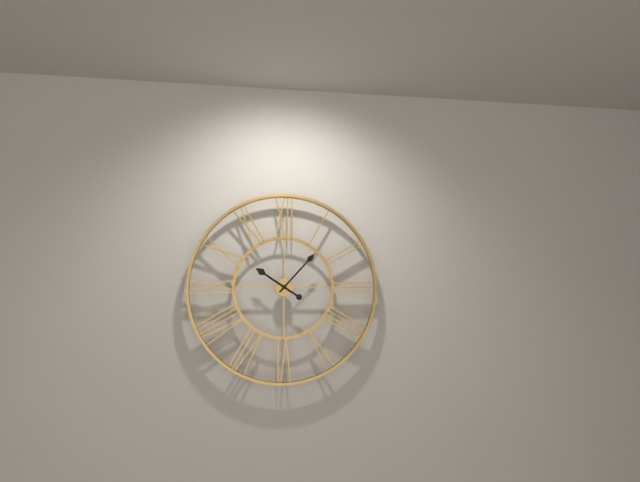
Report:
10h07
